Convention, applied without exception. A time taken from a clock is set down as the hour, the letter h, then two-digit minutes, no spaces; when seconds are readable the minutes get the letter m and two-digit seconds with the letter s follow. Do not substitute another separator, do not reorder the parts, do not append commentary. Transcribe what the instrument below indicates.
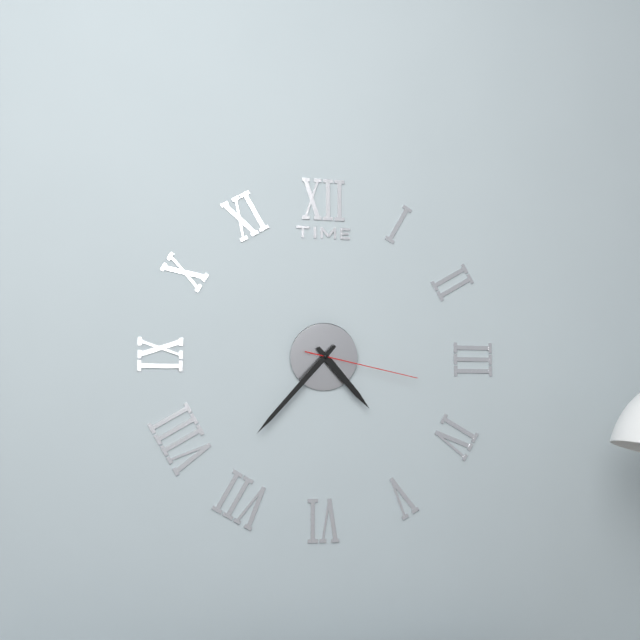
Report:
4h37m17s
